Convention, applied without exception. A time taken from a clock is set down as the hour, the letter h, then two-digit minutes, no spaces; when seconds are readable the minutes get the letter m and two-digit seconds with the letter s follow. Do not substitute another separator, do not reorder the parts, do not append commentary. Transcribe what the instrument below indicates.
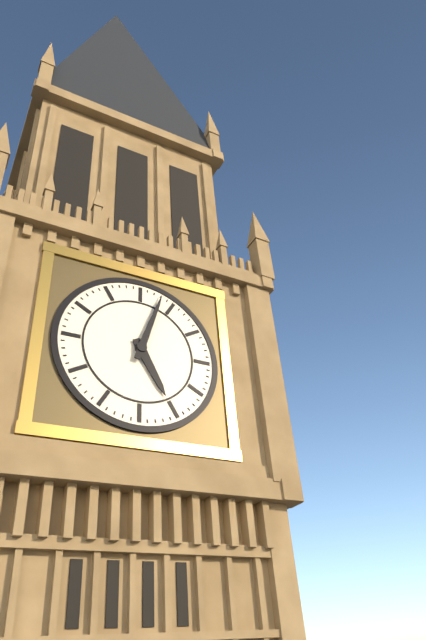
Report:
5h03
